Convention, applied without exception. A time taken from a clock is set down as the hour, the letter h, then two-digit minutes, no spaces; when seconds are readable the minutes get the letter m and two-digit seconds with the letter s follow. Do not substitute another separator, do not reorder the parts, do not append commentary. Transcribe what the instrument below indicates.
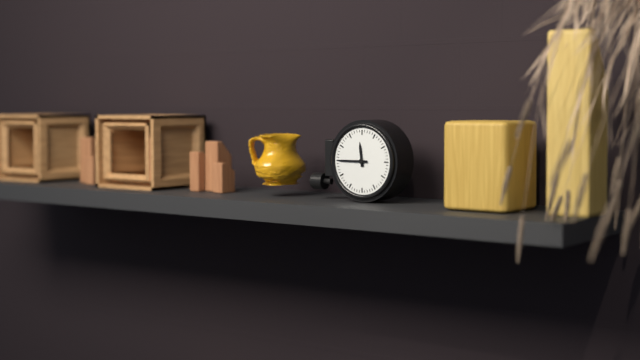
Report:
11h45
